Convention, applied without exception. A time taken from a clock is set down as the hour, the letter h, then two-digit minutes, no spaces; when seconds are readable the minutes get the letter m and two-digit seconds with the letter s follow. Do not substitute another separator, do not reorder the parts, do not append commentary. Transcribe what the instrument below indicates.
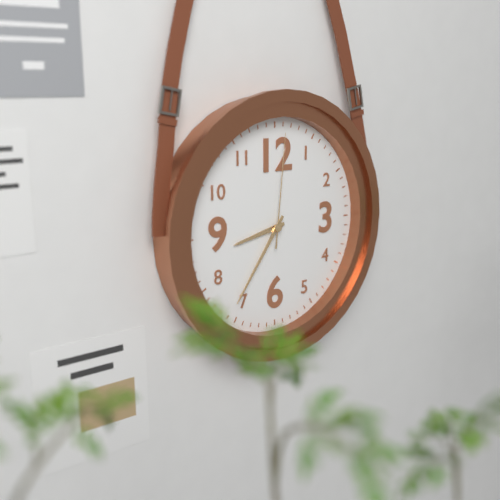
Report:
8h36m01s
